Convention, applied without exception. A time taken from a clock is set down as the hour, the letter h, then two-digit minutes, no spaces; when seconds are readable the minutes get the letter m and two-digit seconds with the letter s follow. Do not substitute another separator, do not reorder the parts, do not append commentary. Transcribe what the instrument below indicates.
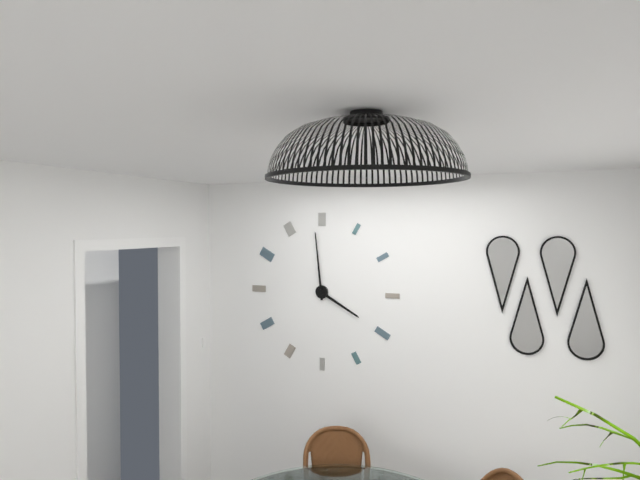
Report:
3h59
